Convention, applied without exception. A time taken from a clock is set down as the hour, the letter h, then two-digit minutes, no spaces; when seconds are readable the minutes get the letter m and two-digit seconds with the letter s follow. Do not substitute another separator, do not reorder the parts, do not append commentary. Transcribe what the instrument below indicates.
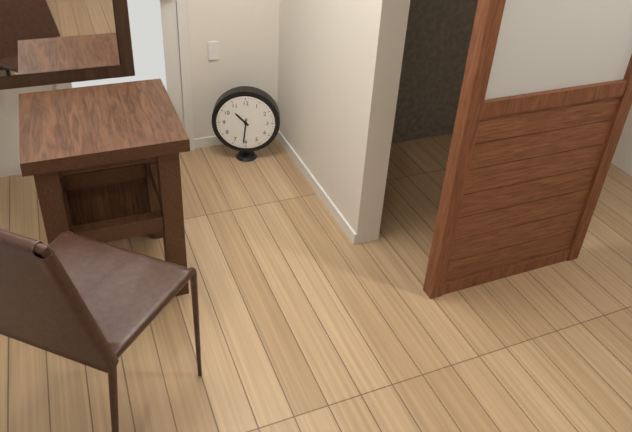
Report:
10h31
